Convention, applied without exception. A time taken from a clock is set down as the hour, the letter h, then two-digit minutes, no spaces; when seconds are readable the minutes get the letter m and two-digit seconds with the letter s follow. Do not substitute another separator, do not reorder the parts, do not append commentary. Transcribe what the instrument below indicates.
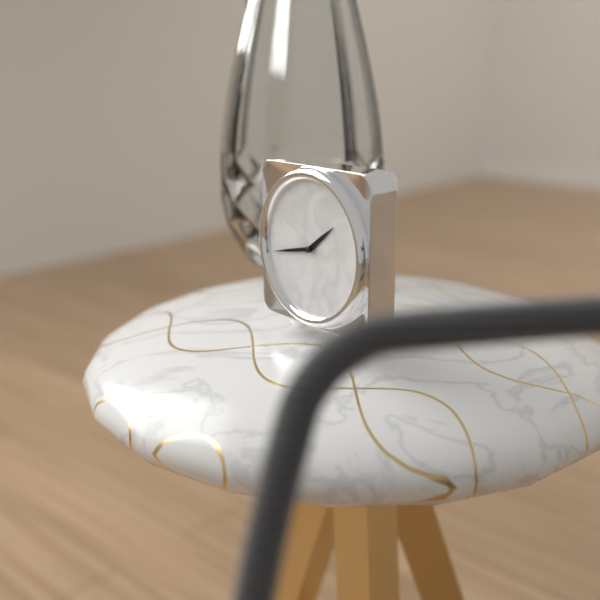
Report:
1h43
